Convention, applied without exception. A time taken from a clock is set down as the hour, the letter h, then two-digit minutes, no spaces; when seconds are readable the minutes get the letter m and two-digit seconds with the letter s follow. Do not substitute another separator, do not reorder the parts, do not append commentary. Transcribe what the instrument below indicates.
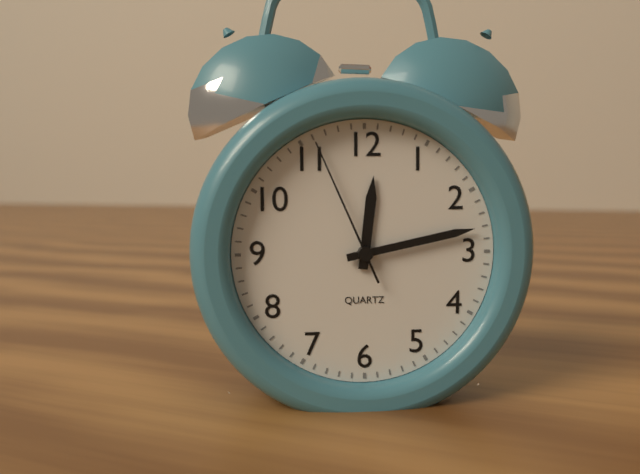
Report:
12h13m56s
